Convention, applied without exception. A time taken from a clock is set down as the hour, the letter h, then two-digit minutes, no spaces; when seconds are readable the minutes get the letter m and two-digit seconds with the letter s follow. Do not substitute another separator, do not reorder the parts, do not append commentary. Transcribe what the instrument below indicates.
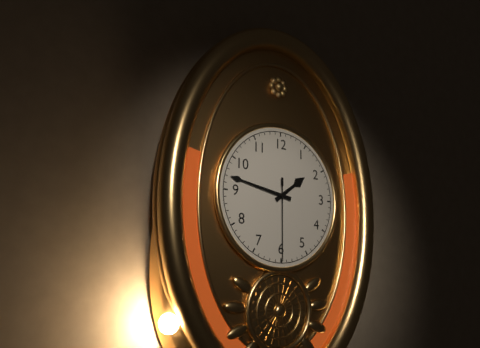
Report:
1h47m30s
